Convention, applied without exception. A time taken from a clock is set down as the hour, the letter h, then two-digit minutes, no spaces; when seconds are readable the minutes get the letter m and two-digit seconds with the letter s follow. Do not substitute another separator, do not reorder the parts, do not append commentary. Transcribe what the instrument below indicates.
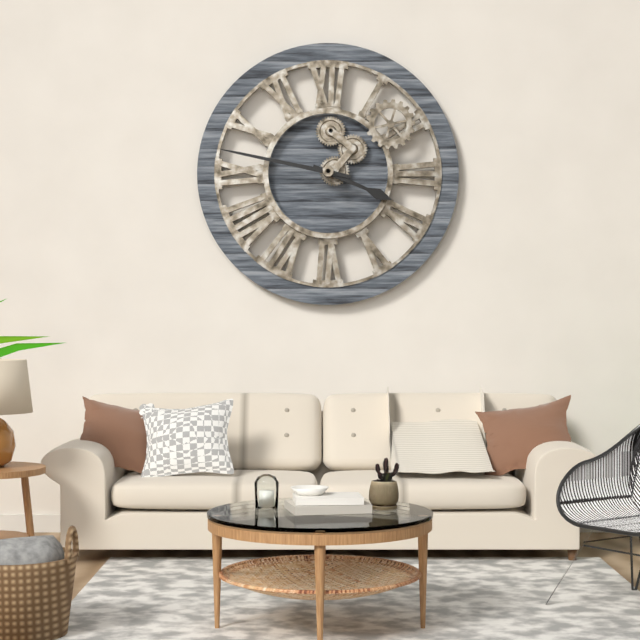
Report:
3h47
